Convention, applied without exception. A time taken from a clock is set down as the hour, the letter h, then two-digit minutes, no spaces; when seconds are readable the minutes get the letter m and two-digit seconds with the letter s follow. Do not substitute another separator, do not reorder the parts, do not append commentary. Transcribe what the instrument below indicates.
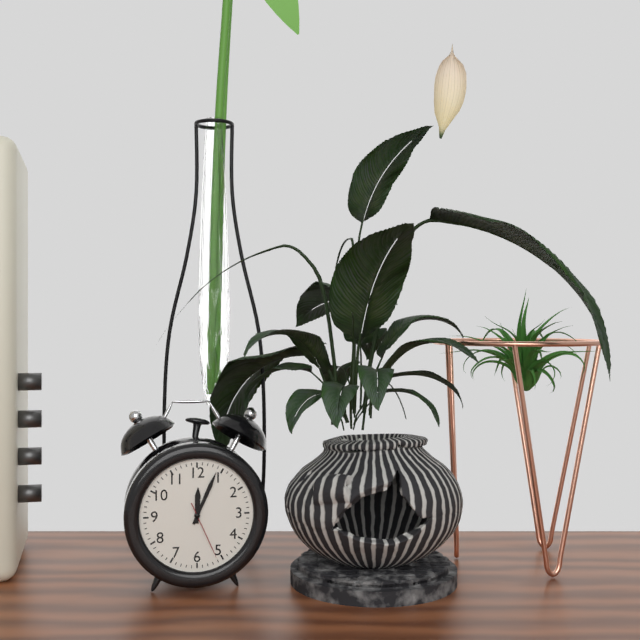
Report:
12h04m26s
